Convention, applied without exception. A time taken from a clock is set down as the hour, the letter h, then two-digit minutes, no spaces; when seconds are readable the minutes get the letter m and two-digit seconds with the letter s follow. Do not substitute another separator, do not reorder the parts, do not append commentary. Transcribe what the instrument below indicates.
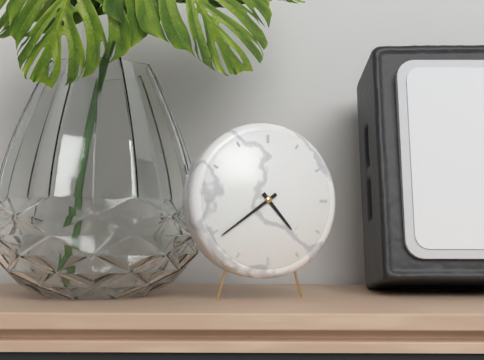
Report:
4h39
